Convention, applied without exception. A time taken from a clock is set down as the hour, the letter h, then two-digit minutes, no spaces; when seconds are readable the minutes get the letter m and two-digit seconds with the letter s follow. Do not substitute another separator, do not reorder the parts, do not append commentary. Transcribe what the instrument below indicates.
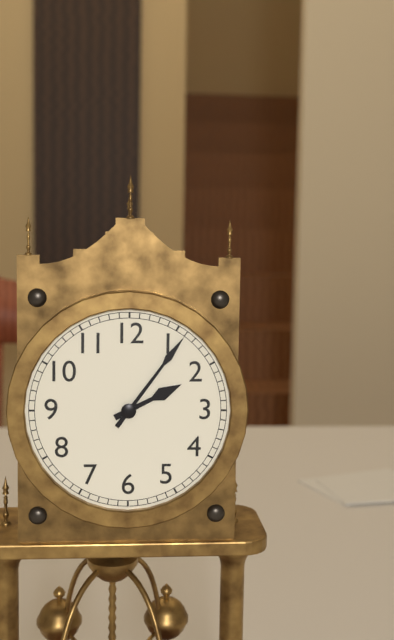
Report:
2h06
